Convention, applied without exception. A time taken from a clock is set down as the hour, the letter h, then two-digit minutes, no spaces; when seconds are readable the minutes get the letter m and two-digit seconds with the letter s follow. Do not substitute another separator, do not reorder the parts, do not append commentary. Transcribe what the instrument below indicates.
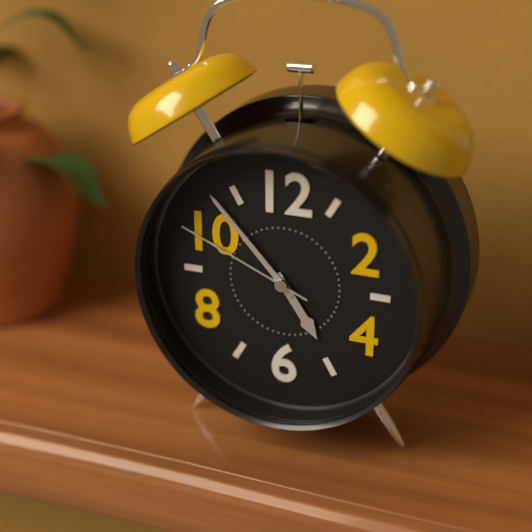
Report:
4h53m49s
